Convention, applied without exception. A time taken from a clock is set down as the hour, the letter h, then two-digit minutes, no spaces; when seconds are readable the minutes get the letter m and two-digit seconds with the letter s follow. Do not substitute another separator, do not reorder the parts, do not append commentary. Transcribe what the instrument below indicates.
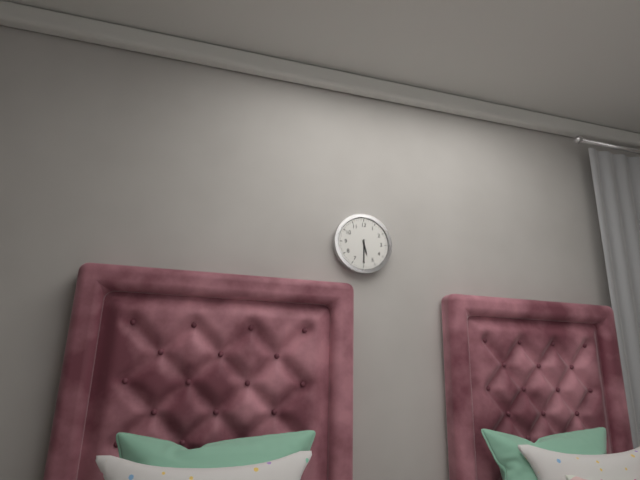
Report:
5h30
